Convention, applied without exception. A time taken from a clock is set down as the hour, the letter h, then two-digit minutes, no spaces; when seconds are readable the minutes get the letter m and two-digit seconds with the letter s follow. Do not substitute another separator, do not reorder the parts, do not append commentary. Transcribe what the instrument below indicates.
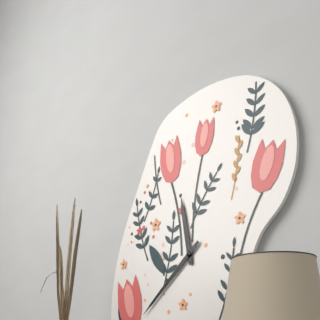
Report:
11h38
